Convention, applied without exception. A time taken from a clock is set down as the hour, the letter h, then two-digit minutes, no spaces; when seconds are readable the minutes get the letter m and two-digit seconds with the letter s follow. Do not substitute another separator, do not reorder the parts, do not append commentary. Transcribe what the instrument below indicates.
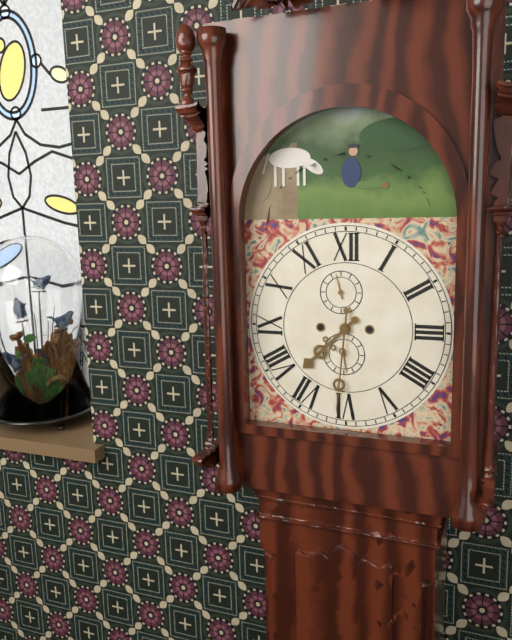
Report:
7h31
